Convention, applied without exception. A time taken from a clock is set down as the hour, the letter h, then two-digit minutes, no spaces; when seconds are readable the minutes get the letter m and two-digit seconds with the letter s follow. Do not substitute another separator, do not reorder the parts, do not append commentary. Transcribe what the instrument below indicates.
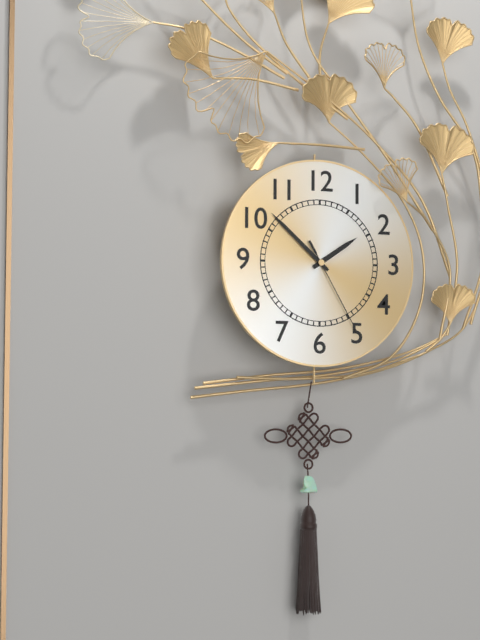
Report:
1h52m25s
